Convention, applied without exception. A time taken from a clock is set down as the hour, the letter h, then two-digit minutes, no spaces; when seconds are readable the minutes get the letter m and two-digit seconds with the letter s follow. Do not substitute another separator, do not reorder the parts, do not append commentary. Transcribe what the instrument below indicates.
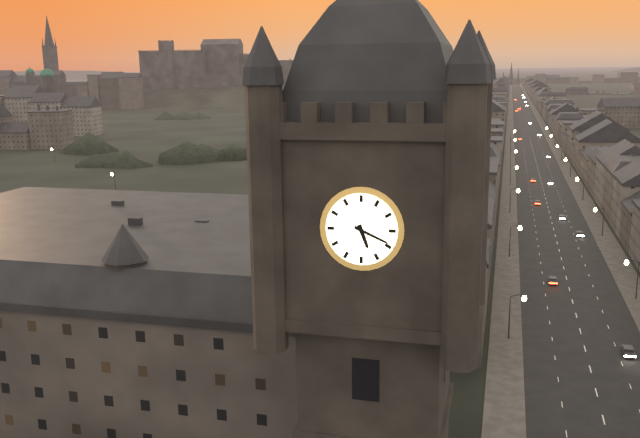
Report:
5h19
